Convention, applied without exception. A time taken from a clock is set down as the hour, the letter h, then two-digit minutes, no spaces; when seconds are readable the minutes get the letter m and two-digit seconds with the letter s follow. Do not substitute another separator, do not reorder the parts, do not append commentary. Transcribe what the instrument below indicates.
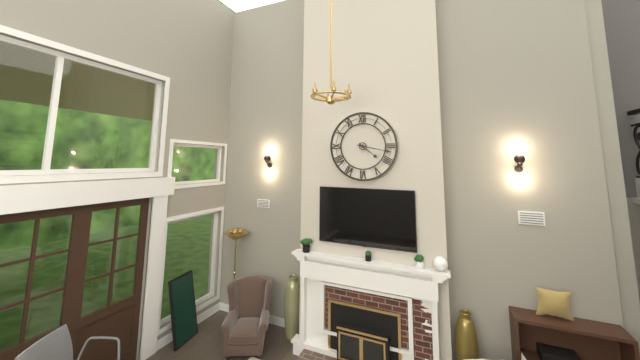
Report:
4h17
